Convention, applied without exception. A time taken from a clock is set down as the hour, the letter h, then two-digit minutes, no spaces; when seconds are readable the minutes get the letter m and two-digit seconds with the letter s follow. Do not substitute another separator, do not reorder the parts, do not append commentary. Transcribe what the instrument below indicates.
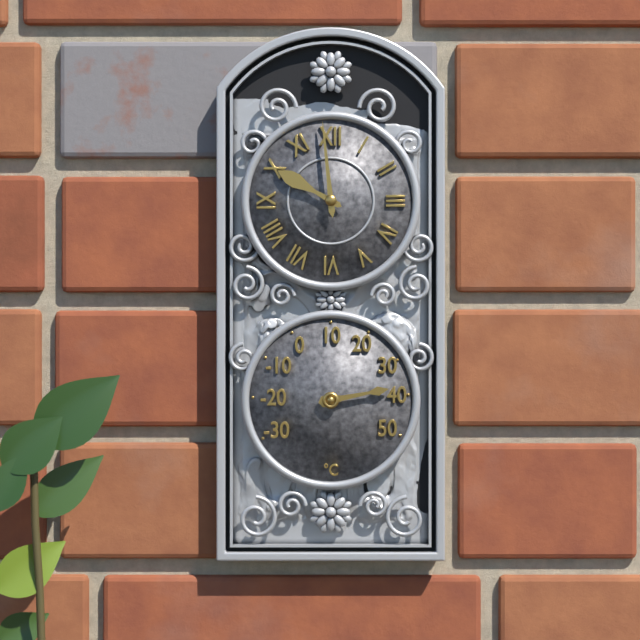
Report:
9h59
